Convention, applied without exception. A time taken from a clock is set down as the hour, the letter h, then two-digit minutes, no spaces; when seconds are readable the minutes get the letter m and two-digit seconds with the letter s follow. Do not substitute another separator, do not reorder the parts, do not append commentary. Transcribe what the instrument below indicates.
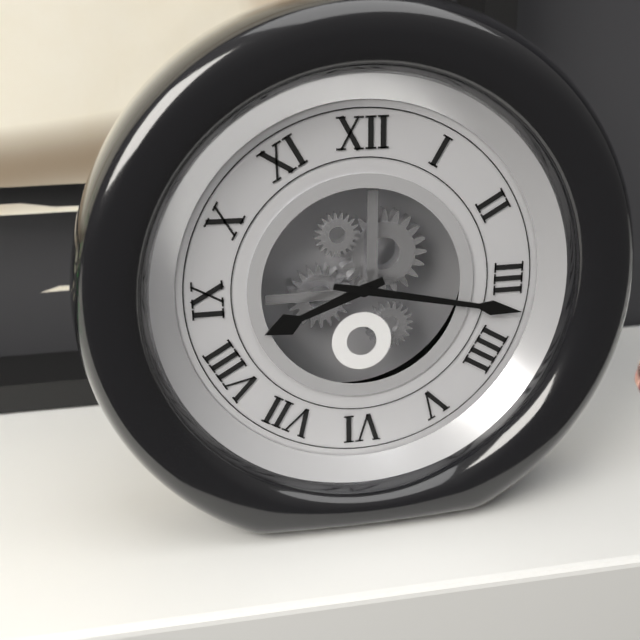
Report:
8h17
